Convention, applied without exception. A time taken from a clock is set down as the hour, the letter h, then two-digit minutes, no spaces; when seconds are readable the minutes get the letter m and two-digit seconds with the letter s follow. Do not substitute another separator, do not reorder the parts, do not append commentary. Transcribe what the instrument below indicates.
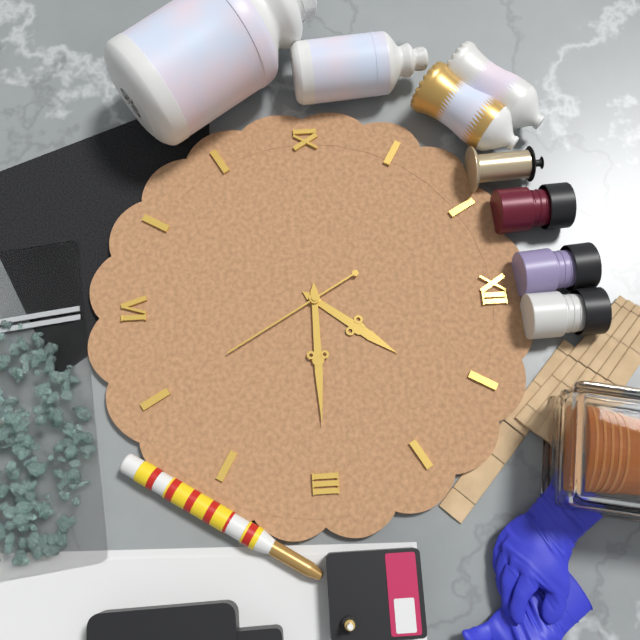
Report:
1h15m25s
